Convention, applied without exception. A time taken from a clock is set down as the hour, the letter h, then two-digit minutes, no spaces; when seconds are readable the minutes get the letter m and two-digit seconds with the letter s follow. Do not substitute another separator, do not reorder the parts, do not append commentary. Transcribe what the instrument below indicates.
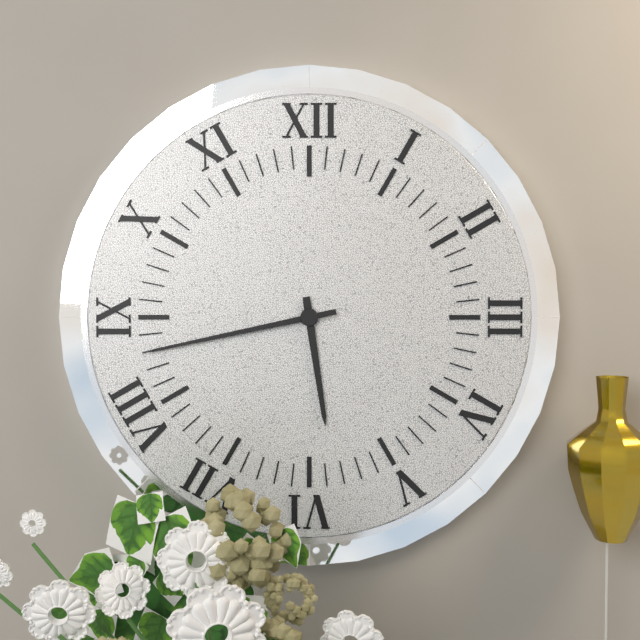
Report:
5h43
